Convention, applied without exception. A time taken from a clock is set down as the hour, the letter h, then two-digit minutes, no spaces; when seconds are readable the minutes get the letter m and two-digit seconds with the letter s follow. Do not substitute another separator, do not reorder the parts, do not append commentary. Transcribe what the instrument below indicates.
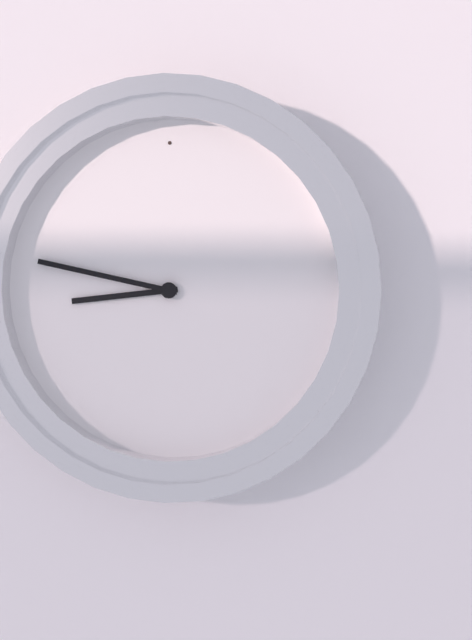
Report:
8h47
